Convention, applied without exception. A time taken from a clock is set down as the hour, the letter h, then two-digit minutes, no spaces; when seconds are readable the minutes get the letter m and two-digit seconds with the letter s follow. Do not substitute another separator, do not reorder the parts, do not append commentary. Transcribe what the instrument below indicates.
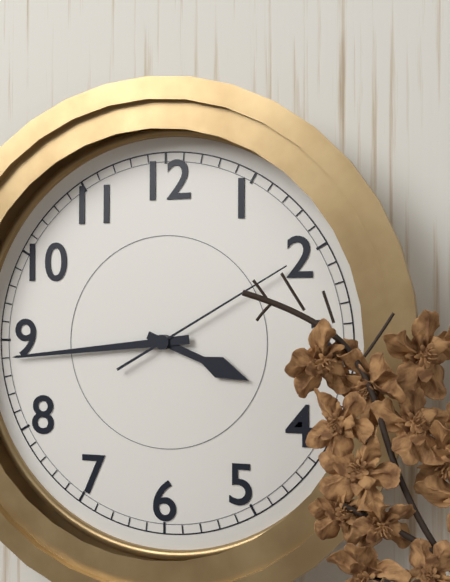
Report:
3h44m10s
